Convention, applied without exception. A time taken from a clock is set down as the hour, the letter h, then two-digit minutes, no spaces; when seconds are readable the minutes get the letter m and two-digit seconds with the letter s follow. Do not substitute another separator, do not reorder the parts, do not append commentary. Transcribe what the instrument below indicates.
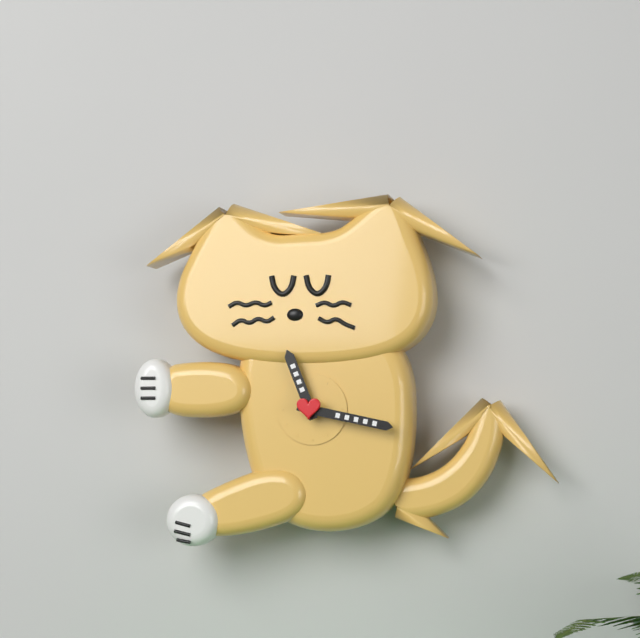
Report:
11h17
